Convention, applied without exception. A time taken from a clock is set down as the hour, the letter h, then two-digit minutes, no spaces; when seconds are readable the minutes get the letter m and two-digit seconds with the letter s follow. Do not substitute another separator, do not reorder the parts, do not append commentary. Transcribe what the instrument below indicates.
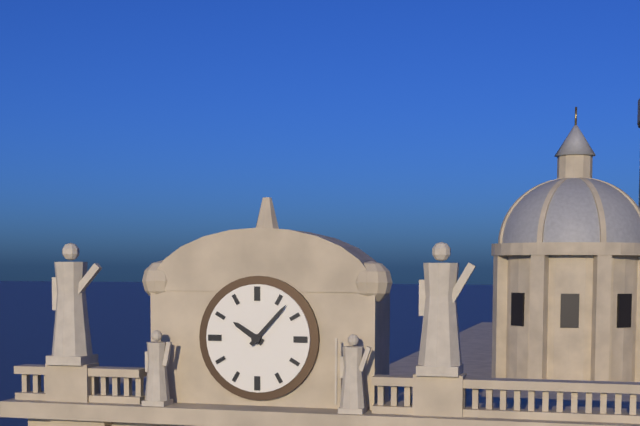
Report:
10h07
